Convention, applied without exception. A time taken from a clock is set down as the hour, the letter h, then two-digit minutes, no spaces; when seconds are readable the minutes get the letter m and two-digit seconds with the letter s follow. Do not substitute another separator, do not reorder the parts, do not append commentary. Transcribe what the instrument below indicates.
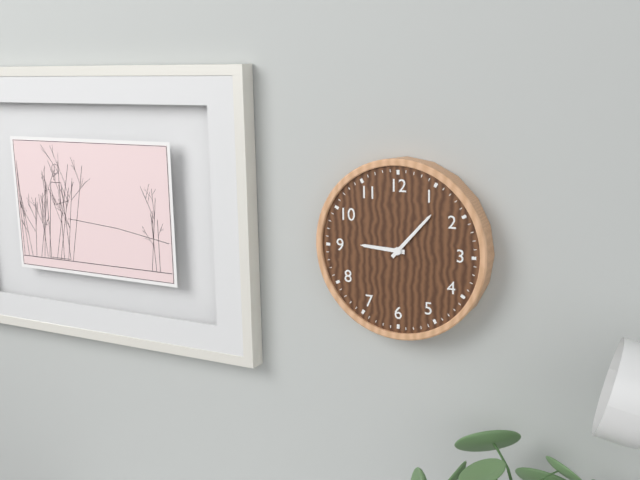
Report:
9h07
